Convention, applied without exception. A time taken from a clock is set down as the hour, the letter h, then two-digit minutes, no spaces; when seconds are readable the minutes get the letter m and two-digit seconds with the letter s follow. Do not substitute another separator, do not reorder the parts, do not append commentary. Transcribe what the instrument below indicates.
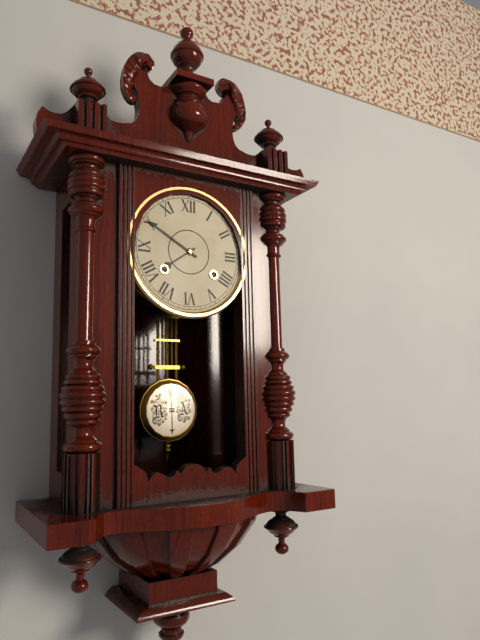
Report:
7h50
